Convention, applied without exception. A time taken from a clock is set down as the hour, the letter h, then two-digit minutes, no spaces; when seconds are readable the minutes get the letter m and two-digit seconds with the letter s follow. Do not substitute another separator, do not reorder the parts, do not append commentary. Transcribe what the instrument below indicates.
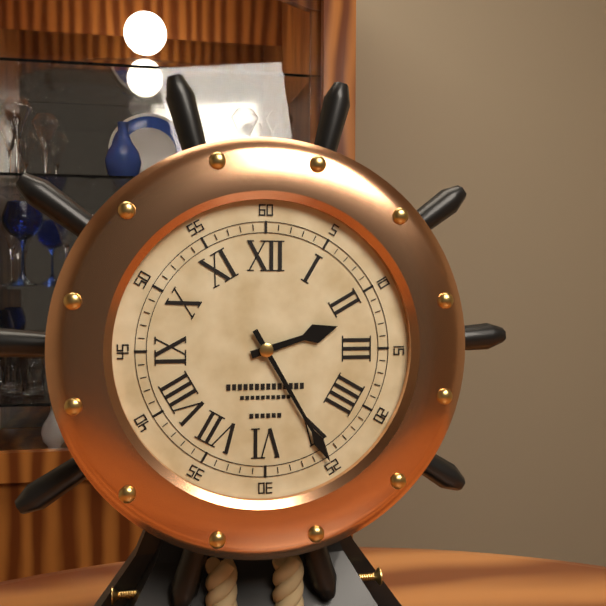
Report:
2h25
